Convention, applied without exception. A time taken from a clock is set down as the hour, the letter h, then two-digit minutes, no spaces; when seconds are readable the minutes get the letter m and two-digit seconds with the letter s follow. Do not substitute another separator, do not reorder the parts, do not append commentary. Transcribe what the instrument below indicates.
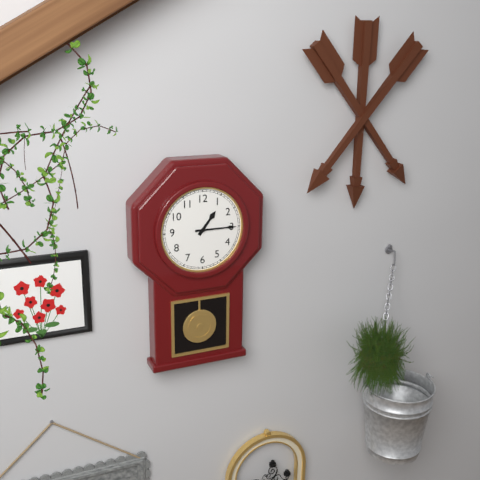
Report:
1h15
